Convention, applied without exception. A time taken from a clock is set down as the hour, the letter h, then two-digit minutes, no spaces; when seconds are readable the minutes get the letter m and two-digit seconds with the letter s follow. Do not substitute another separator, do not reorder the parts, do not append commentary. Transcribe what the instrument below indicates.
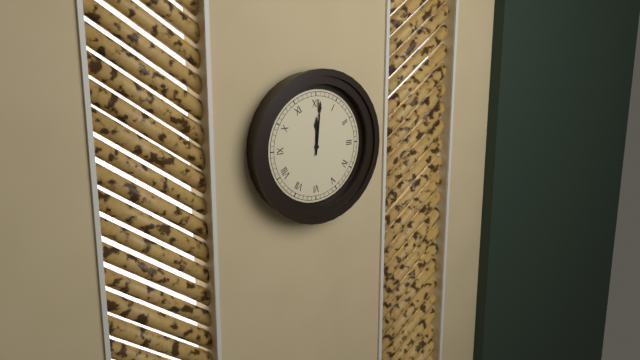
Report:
12h01
